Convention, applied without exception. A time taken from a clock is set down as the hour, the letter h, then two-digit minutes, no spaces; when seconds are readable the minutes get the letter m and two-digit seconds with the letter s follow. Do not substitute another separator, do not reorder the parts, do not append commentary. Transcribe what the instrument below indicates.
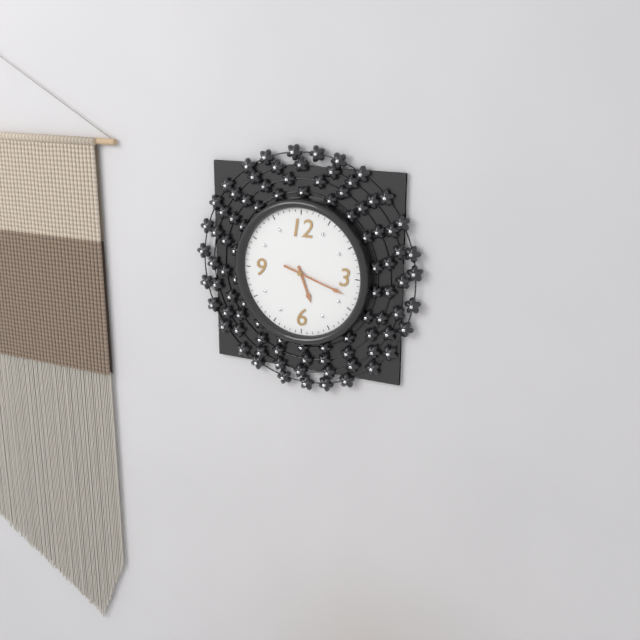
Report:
5h18
